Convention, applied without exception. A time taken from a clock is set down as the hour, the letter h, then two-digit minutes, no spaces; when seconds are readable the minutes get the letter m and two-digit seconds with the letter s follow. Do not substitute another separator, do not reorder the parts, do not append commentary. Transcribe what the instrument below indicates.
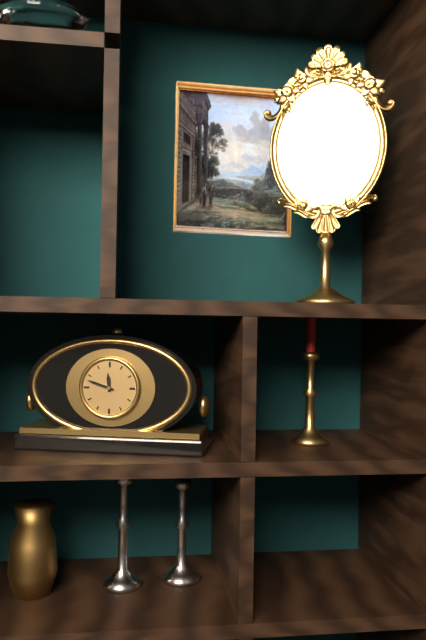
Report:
11h48
